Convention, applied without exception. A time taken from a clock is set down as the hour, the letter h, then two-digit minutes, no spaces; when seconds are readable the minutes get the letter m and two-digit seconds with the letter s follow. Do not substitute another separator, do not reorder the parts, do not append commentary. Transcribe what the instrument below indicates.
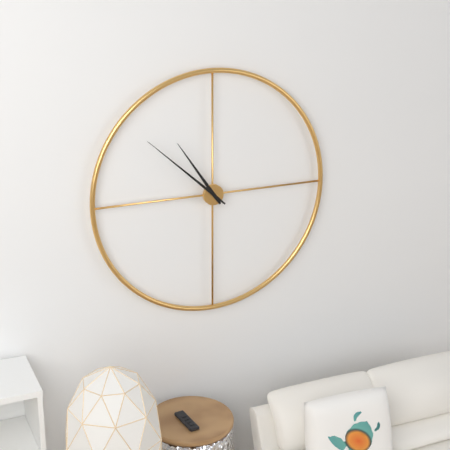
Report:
10h52
